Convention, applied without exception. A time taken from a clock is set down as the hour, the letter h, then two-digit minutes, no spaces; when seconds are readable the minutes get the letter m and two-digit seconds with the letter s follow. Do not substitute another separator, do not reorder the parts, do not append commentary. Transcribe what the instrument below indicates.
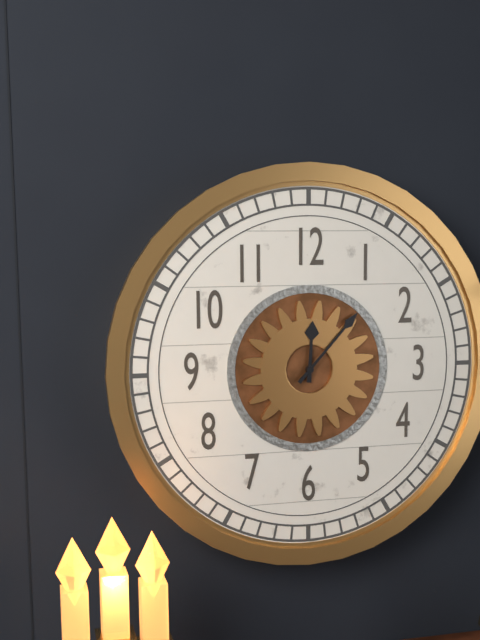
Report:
12h07
